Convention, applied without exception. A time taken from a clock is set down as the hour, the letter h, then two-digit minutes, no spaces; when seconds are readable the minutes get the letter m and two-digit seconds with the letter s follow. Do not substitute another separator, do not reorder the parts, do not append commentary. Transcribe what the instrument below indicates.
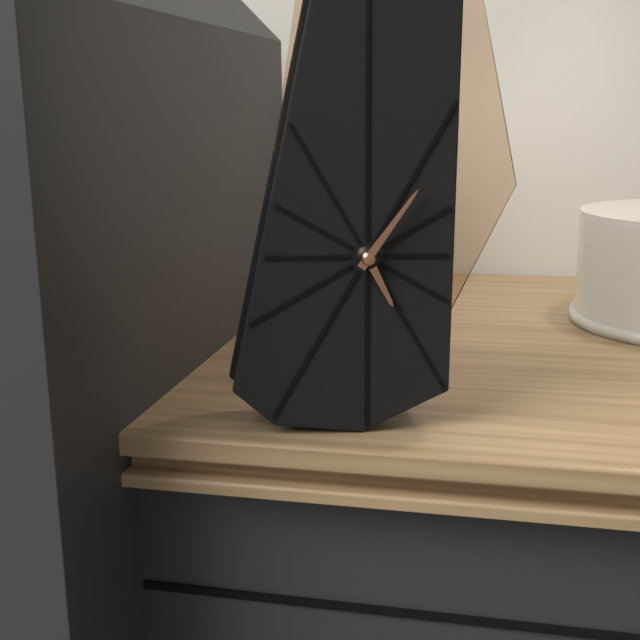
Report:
5h06
